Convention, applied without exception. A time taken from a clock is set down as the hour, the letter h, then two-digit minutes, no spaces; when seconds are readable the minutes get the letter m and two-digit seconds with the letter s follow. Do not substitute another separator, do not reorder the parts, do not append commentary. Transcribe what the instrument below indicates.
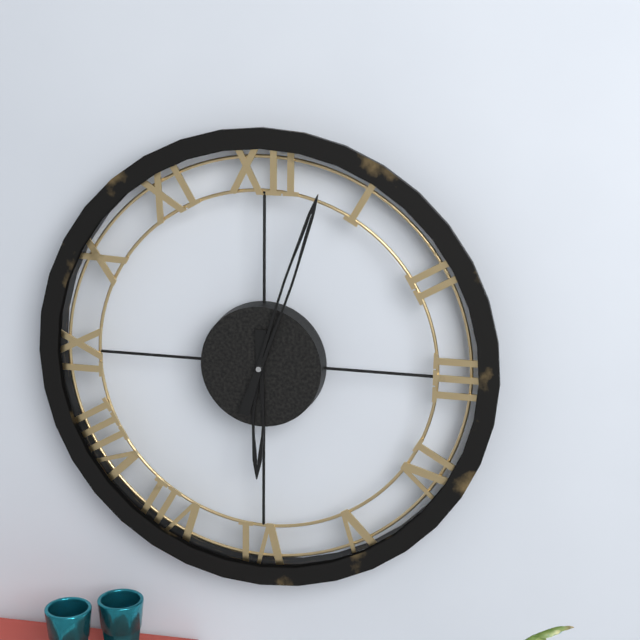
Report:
6h03
